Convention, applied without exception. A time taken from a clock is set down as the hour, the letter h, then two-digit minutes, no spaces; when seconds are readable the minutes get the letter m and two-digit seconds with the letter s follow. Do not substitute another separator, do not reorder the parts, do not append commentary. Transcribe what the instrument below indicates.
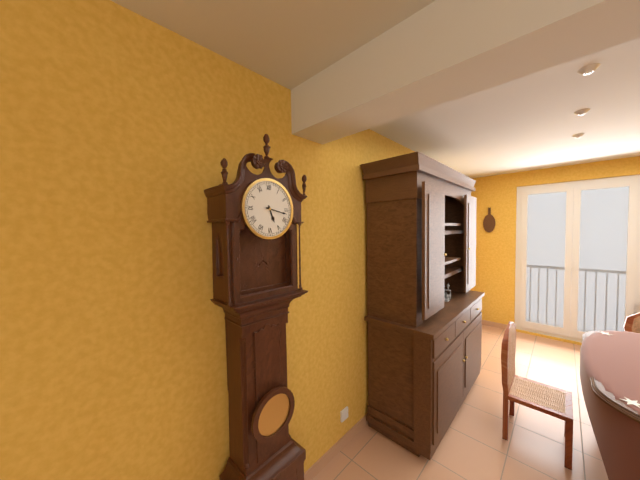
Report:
5h17
